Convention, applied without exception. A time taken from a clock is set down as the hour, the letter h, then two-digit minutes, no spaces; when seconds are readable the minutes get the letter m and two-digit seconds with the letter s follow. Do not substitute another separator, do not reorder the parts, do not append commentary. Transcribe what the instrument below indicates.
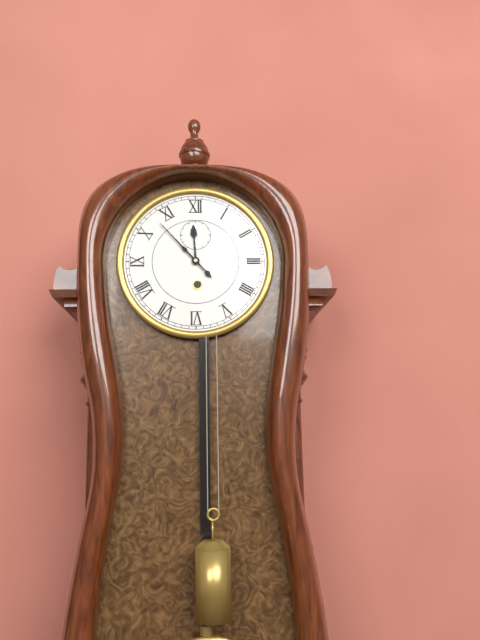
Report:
11h53
